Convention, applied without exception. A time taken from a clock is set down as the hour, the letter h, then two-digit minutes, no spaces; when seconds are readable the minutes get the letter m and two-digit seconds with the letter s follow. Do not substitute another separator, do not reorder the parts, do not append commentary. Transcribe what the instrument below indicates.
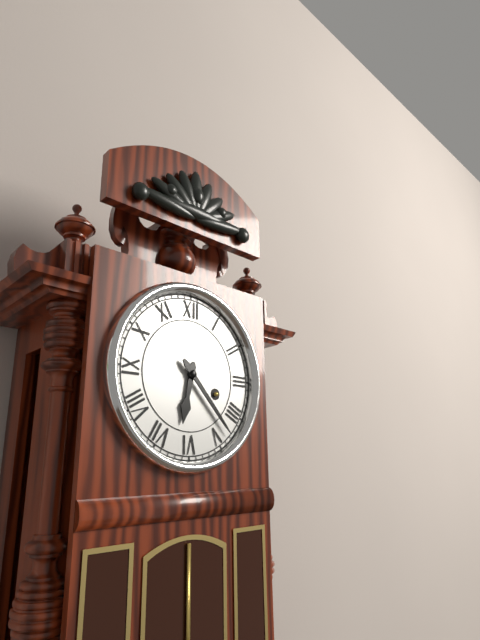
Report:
6h23
